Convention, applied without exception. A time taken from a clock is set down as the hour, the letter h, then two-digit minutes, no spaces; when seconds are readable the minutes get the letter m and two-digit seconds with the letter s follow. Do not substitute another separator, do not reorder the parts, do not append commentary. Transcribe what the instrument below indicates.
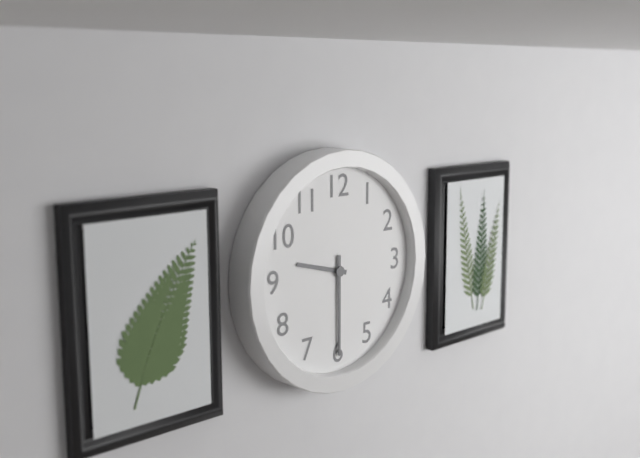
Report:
9h30
